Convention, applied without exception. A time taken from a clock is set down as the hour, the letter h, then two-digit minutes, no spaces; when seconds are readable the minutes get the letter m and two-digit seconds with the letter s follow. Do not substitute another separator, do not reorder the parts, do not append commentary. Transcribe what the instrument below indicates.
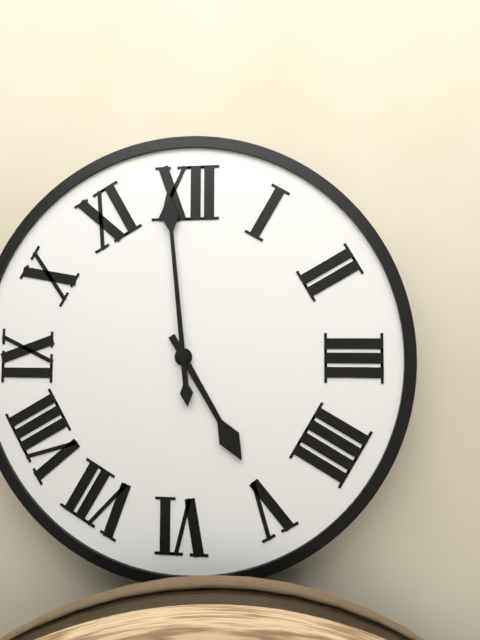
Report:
4h59
